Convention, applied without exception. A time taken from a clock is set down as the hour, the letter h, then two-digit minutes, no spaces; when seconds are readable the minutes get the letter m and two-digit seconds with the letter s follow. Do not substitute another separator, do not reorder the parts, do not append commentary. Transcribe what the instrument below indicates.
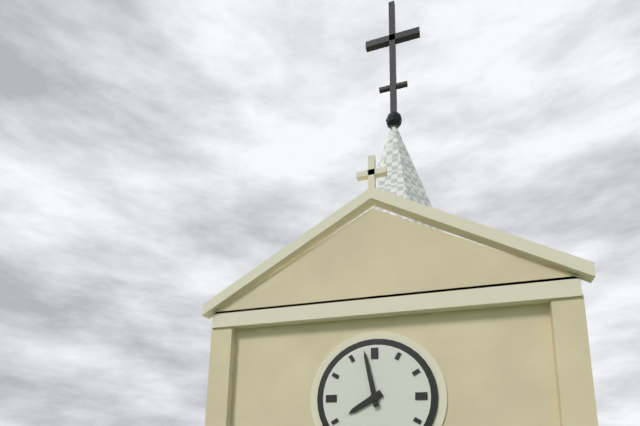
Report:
7h58
